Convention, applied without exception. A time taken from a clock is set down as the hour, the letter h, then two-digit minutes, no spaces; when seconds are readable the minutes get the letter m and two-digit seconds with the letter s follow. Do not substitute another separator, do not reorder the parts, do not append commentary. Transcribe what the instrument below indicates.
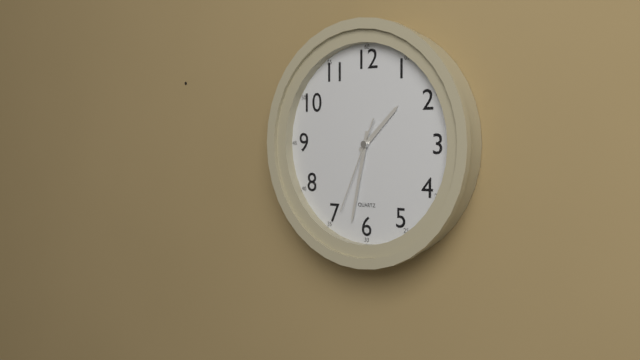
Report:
1h32m34s
